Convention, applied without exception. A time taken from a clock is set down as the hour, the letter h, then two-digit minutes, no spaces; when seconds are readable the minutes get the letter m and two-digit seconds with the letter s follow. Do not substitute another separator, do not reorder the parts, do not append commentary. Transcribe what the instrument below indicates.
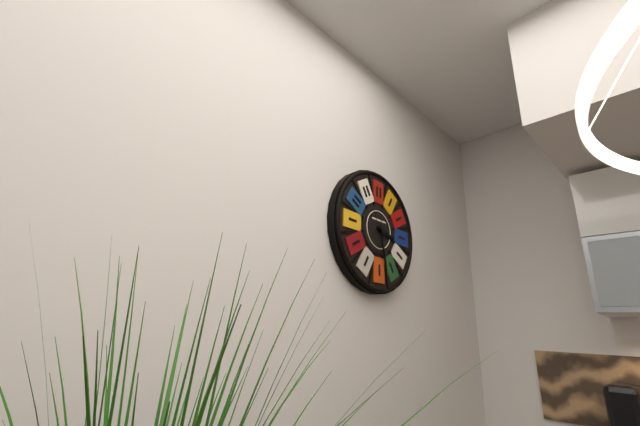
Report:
3h28
